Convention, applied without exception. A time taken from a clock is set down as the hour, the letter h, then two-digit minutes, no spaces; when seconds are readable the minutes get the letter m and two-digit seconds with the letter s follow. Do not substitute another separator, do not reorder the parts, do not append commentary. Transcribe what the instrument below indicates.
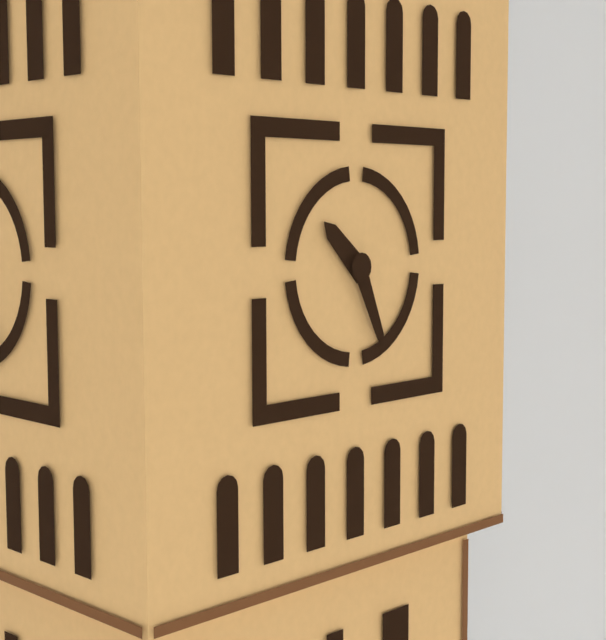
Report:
10h26
